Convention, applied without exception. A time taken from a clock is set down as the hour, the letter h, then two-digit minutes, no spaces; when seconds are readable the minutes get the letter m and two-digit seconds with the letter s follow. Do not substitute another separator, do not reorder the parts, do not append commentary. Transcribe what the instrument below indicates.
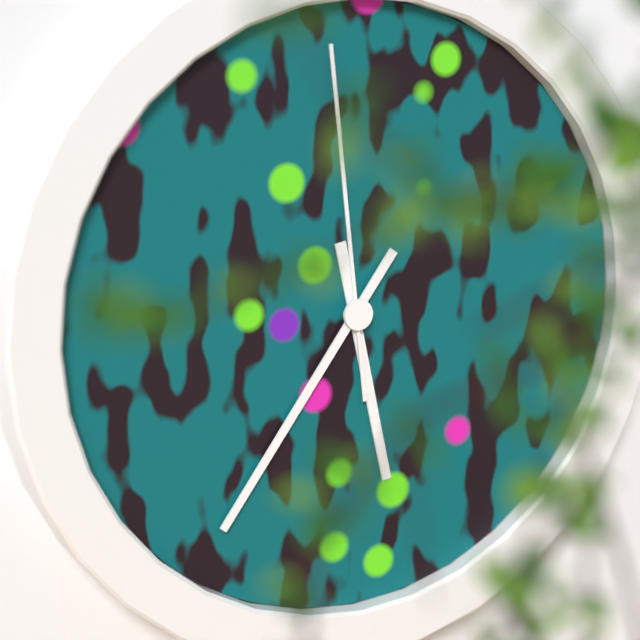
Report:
5h36m59s
